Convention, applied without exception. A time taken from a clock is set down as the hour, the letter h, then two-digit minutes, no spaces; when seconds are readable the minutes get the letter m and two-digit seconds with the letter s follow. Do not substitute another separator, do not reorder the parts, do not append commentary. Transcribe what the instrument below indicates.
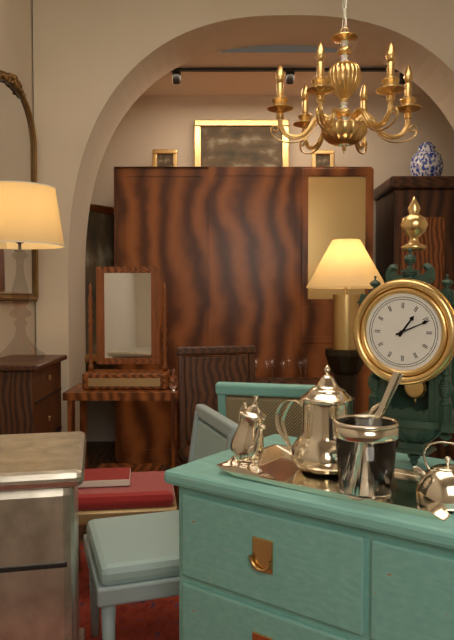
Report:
1h11
